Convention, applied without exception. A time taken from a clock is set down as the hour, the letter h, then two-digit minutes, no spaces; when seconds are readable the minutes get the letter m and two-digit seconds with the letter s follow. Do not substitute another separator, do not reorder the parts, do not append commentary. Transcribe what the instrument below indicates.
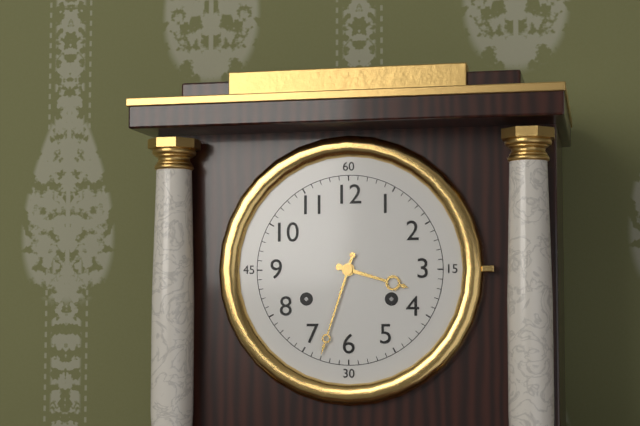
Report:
3h33
